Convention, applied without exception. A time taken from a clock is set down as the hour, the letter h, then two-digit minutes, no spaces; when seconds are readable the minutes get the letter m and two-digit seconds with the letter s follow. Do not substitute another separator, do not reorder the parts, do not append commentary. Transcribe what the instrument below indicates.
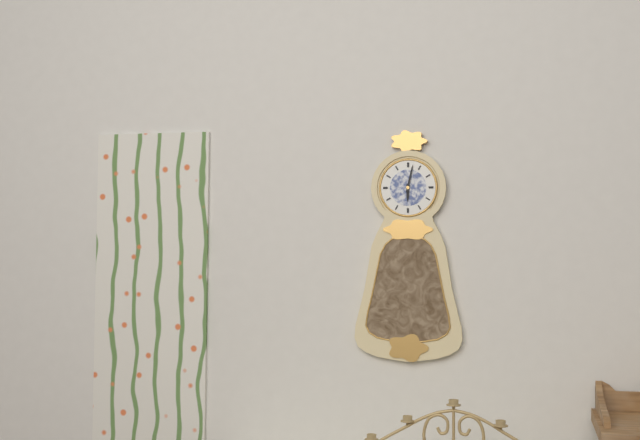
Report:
6h02
